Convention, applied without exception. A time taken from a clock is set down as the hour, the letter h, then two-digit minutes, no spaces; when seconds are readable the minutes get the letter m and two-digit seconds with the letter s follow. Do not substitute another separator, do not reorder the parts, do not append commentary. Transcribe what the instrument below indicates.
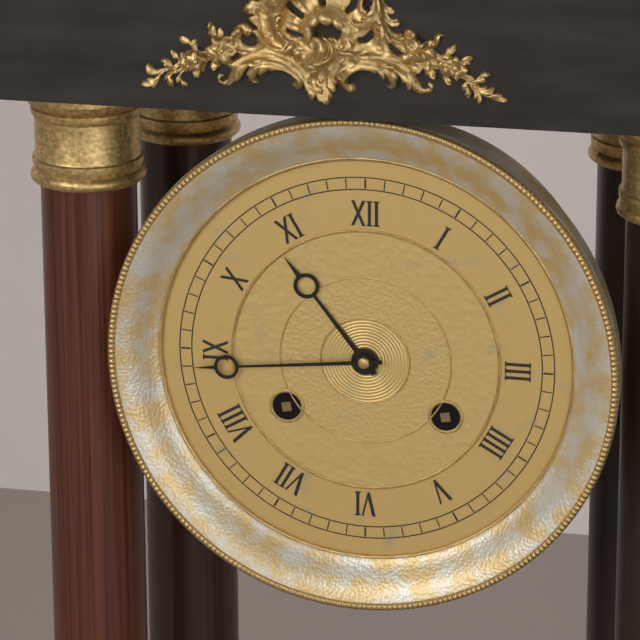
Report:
10h44
